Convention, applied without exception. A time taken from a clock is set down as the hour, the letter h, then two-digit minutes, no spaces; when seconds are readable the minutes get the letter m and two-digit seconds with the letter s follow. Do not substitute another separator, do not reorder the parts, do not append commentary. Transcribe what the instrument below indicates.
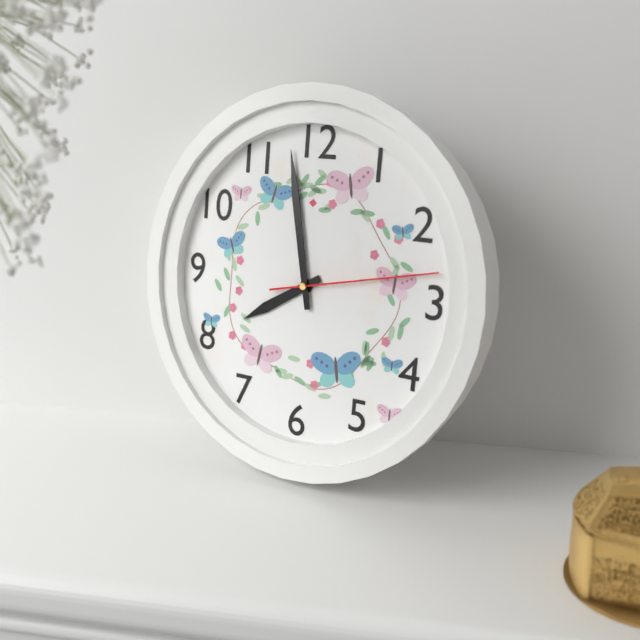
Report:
7h58m13s
